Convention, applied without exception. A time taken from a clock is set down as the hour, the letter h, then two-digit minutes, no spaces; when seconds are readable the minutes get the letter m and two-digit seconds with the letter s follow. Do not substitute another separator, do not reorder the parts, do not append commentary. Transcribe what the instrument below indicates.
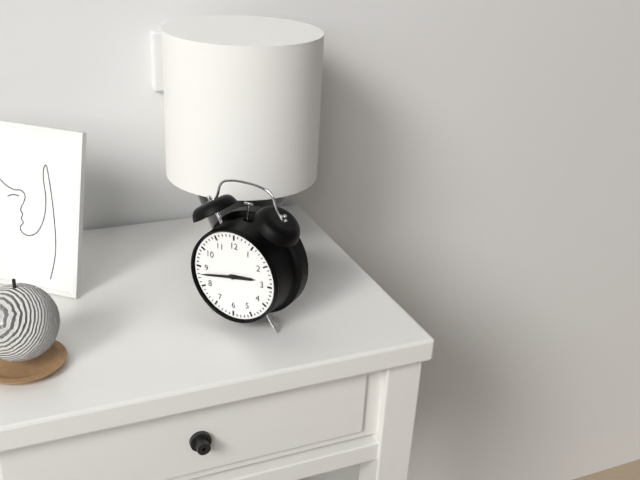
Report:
2h43
